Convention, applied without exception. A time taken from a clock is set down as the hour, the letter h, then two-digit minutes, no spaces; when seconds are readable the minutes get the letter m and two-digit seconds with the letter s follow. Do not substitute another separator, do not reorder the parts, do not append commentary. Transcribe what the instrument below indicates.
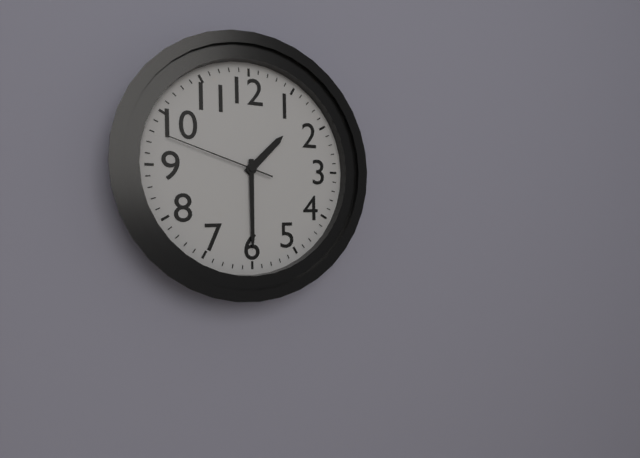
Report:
1h30m48s
